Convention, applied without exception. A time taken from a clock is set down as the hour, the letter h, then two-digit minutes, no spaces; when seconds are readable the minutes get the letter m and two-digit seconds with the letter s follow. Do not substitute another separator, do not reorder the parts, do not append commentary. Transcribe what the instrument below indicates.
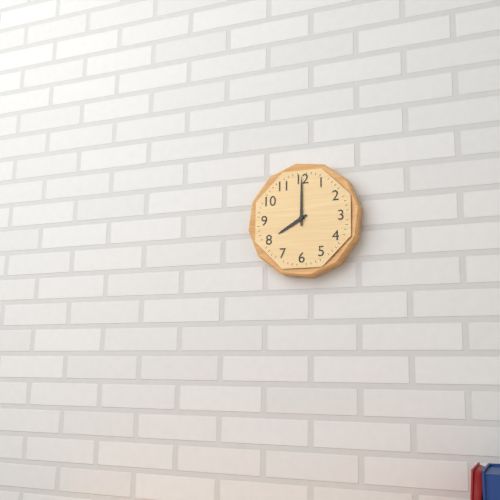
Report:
8h00
